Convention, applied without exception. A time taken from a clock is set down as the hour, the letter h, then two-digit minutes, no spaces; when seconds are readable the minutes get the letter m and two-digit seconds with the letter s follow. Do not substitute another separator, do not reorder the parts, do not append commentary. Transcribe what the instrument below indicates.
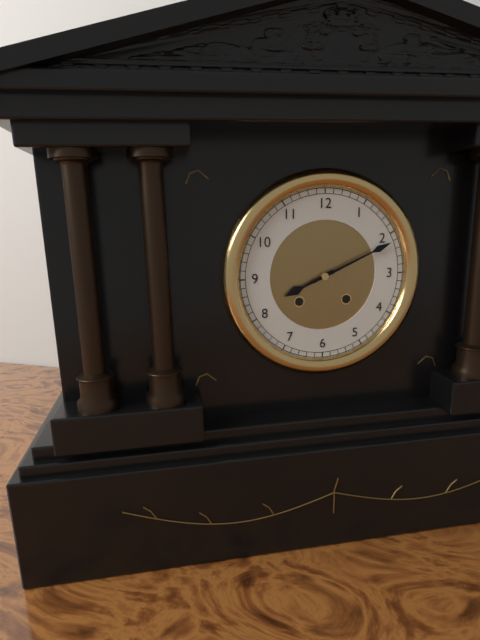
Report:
8h11
